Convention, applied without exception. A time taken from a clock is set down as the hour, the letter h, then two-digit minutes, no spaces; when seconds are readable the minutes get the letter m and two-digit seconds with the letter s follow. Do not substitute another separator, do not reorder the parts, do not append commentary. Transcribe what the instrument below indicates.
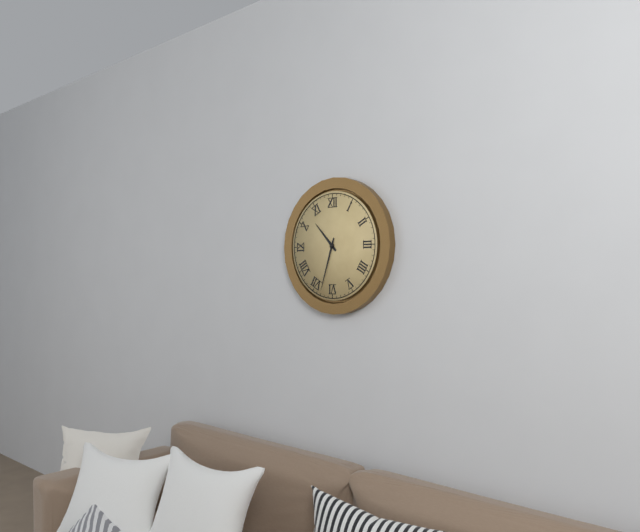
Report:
10h33
